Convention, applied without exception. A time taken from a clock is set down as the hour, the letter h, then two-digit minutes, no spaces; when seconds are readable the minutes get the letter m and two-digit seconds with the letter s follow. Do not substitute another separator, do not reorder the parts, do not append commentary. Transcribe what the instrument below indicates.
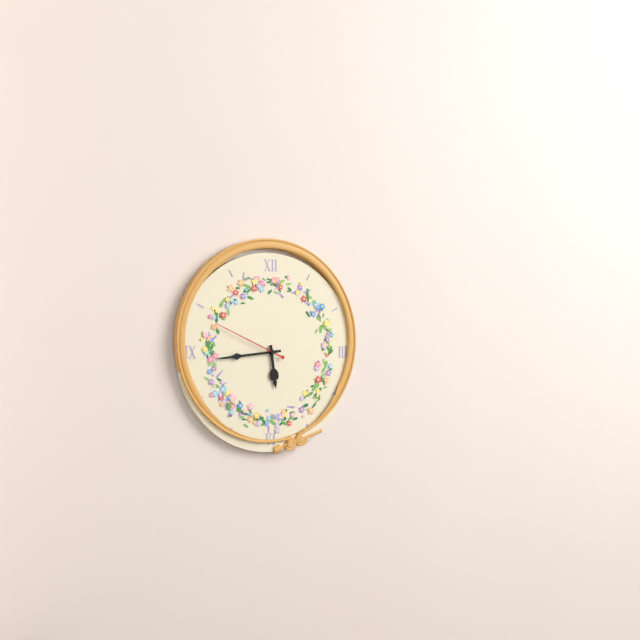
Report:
5h44m49s
